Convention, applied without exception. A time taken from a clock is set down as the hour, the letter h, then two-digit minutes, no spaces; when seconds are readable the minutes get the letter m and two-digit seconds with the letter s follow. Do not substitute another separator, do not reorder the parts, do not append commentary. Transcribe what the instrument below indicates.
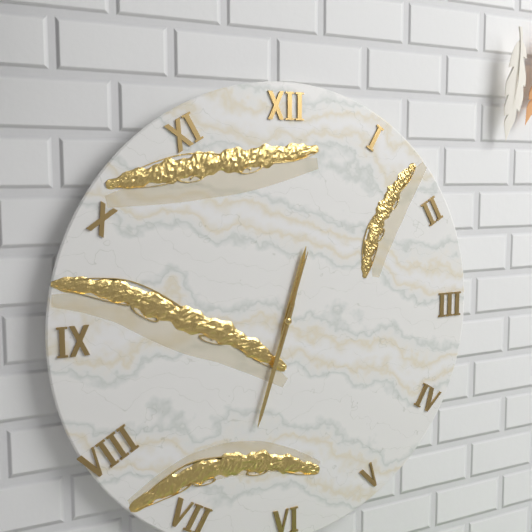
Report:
12h33m03s
